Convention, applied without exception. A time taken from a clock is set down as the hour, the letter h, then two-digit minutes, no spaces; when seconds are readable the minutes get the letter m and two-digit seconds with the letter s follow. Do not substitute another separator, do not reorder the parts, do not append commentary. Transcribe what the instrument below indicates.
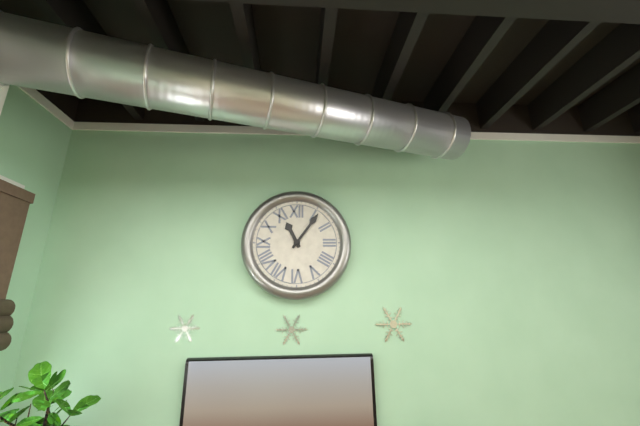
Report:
11h06
